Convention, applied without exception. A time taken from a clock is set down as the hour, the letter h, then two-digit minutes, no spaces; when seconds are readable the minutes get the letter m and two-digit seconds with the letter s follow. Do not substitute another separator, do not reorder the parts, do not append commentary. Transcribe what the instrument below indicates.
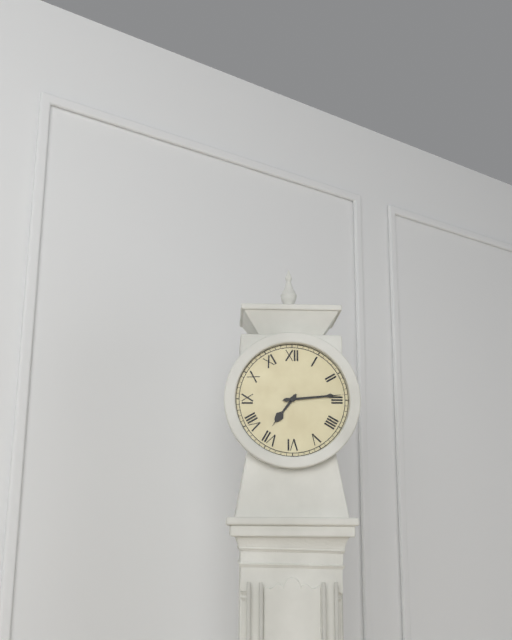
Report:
7h14
